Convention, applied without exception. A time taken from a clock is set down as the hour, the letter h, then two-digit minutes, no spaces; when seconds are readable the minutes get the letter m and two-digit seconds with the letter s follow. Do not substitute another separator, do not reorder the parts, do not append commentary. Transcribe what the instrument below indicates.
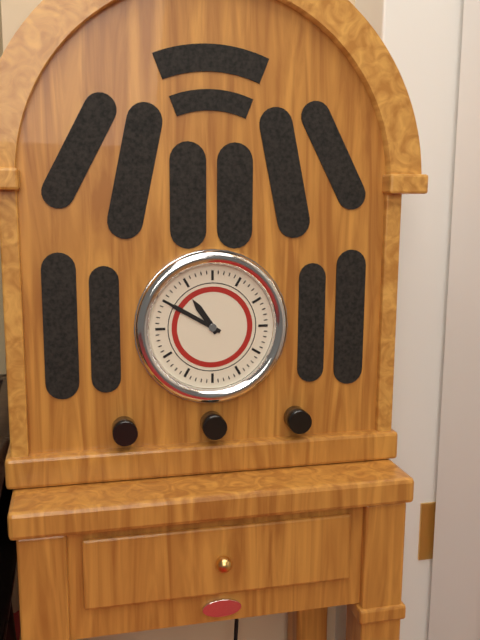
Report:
10h50
